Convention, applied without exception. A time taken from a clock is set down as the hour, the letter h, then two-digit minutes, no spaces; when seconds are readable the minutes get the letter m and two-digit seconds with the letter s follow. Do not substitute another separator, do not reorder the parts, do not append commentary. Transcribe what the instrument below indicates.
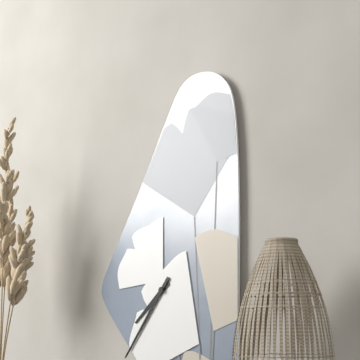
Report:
7h36
